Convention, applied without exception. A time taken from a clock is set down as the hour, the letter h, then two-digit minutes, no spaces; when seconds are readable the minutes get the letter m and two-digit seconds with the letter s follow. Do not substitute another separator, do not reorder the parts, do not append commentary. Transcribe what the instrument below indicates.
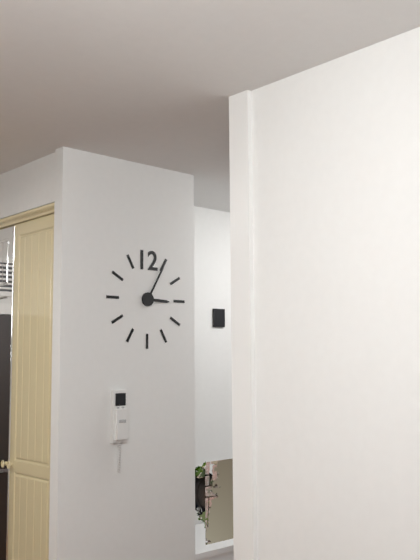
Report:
3h05
